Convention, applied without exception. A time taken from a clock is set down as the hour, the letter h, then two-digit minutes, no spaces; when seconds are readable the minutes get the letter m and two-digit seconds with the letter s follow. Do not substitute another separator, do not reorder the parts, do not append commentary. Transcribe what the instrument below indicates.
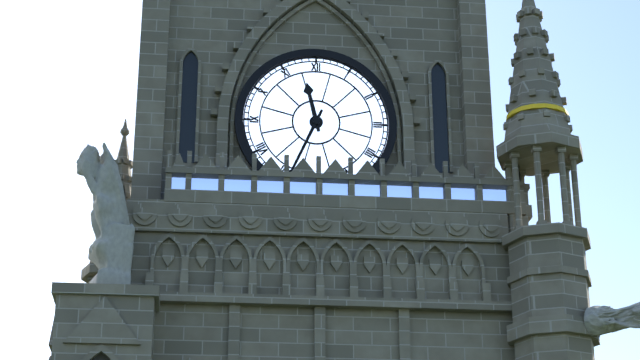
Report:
11h34
